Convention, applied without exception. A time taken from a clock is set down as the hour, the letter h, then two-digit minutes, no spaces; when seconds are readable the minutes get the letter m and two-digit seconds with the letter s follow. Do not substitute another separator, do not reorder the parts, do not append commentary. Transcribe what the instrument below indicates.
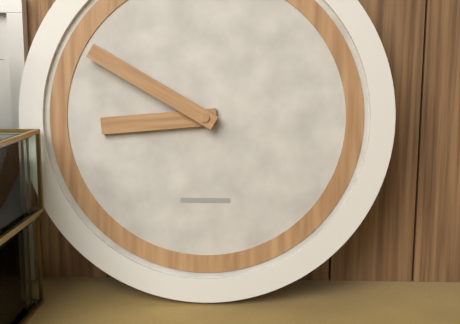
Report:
8h50
